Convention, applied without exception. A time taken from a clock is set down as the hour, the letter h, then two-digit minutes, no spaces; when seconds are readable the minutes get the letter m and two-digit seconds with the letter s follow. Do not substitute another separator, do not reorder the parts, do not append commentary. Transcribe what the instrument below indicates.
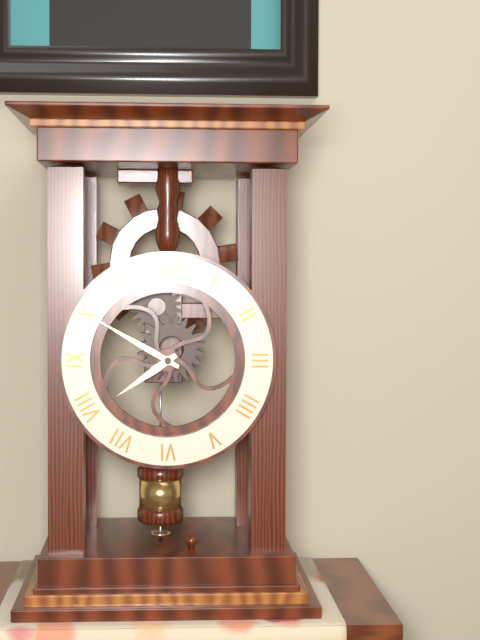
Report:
7h50
